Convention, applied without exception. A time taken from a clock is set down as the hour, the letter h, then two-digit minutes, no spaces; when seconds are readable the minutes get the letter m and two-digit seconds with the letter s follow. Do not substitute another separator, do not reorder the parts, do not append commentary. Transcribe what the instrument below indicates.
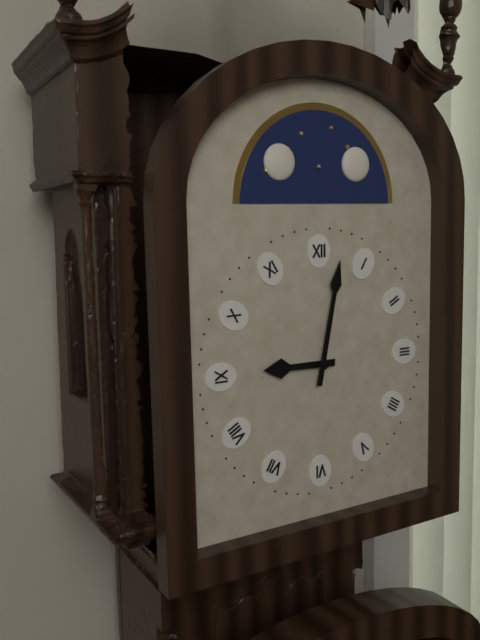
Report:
9h02
